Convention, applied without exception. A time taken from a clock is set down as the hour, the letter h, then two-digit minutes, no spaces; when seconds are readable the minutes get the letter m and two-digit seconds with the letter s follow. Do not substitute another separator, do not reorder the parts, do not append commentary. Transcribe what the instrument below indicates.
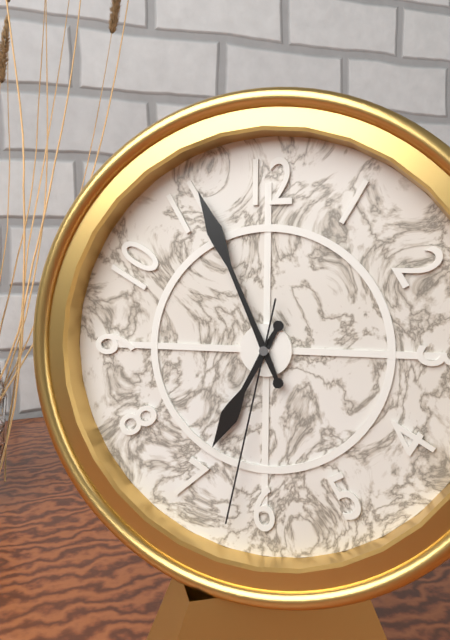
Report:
6h56m32s
